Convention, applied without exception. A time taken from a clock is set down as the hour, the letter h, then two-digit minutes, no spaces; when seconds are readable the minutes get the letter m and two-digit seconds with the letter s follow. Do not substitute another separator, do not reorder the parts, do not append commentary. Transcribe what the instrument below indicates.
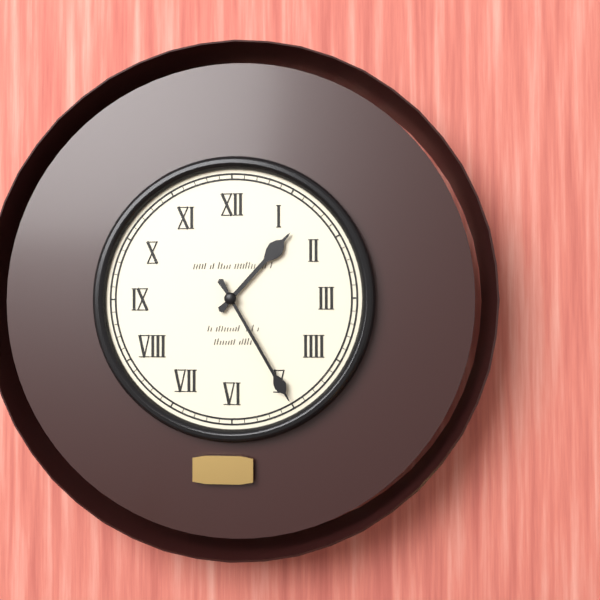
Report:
1h25
